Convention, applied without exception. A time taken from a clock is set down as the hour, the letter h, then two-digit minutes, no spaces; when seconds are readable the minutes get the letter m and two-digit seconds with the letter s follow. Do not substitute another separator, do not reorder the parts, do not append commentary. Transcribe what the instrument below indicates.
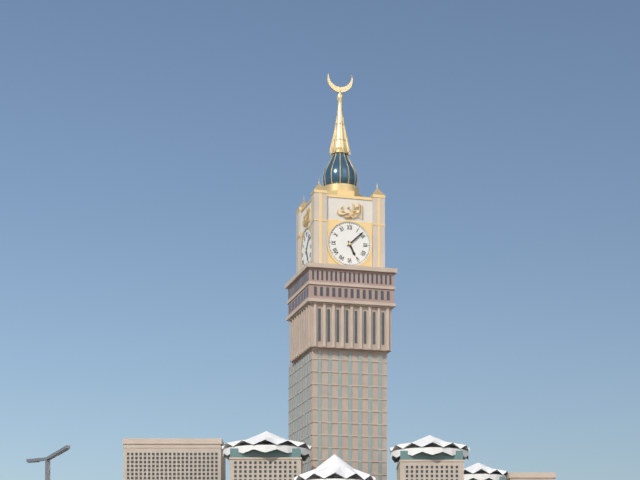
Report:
5h08
